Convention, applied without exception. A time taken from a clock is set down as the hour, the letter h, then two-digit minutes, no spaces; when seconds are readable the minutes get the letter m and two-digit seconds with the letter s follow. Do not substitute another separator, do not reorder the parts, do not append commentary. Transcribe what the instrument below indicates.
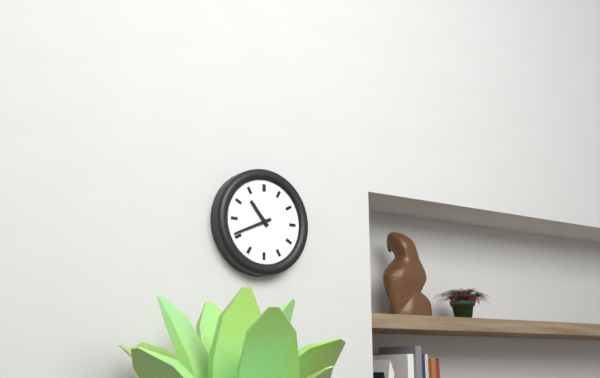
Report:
10h41
